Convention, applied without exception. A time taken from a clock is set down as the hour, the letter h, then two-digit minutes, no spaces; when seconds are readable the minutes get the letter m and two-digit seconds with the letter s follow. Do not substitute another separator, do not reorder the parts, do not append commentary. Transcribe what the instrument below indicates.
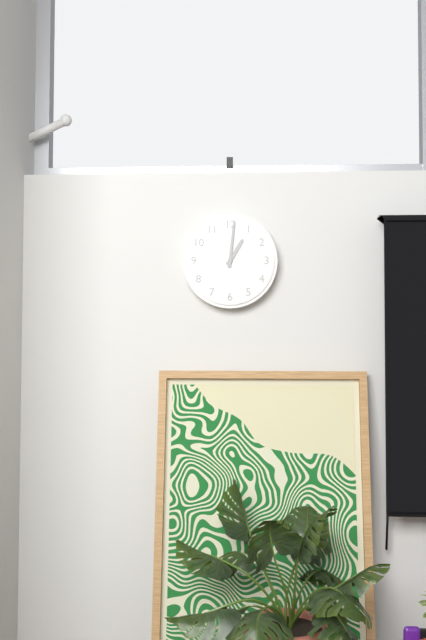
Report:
1h01
